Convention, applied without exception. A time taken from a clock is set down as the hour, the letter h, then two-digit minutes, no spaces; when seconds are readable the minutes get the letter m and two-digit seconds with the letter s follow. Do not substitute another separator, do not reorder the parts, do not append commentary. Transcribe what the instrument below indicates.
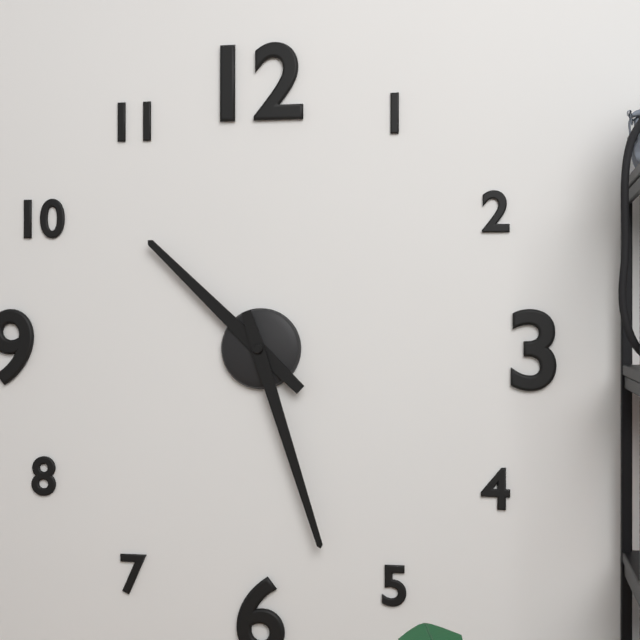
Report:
10h27
